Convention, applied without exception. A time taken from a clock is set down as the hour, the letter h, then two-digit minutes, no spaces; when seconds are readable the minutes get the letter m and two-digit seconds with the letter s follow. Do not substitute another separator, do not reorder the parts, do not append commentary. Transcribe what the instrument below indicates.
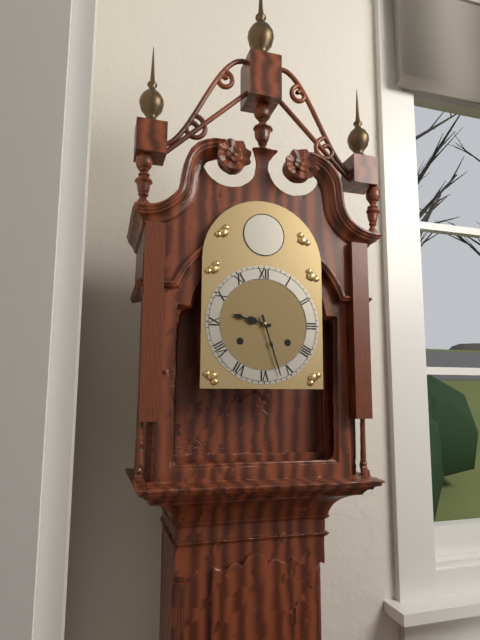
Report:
9h27
